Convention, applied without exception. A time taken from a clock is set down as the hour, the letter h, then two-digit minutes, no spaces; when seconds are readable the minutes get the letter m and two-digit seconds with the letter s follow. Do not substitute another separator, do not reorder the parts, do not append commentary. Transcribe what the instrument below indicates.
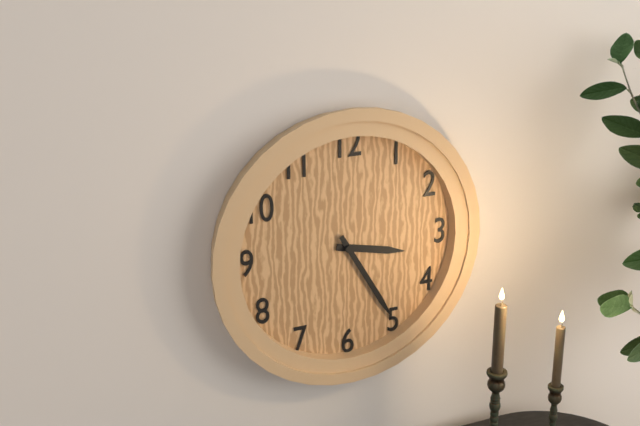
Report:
3h25
